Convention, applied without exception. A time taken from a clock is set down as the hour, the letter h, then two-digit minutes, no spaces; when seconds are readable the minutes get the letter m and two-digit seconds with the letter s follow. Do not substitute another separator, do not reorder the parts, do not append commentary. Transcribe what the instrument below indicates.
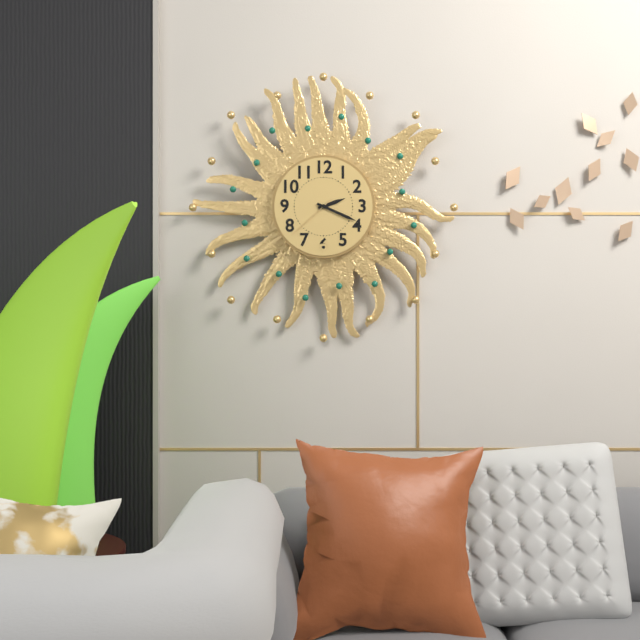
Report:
2h19m38s
